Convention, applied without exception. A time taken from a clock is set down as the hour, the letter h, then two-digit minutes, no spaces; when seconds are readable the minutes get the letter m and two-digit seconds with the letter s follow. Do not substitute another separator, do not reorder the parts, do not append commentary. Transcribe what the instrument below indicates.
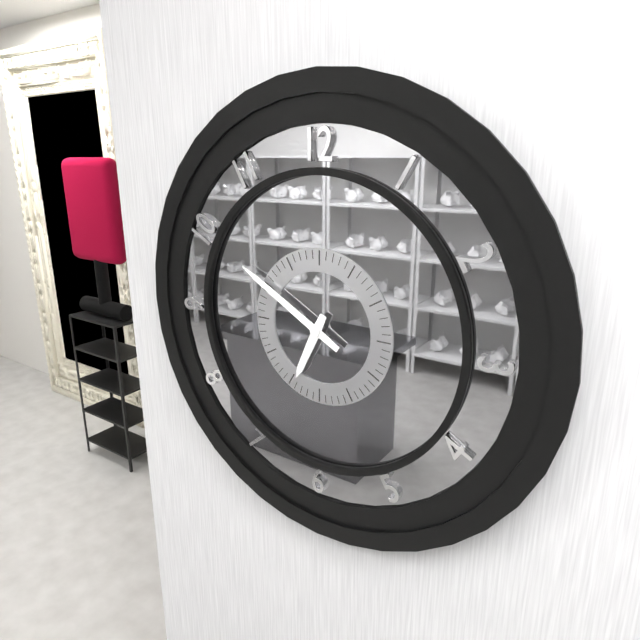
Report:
6h50
